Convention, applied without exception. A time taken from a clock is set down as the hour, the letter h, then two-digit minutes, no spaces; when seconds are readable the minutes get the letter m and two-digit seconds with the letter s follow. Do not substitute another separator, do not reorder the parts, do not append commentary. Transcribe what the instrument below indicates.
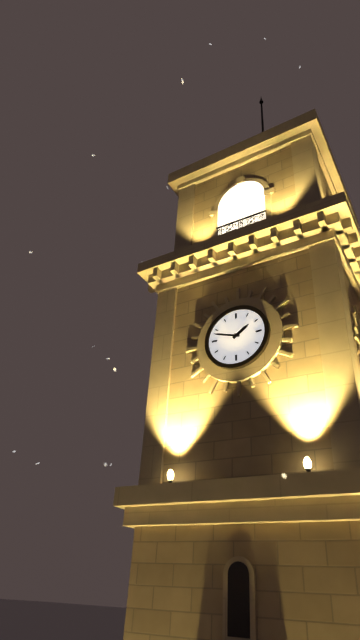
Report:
1h48
